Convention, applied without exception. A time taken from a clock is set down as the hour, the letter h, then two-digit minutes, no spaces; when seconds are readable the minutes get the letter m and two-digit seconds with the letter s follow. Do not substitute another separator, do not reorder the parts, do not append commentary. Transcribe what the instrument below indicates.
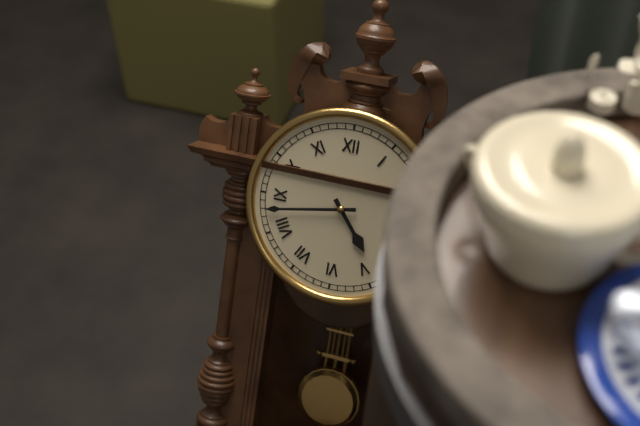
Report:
4h43
